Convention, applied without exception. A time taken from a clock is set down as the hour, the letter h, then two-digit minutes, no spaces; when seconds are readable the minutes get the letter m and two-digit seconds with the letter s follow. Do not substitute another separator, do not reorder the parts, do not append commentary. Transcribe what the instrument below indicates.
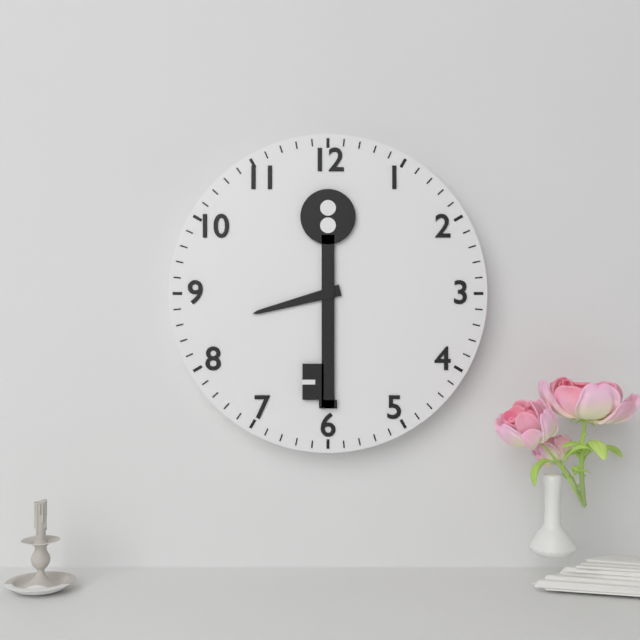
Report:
8h30
